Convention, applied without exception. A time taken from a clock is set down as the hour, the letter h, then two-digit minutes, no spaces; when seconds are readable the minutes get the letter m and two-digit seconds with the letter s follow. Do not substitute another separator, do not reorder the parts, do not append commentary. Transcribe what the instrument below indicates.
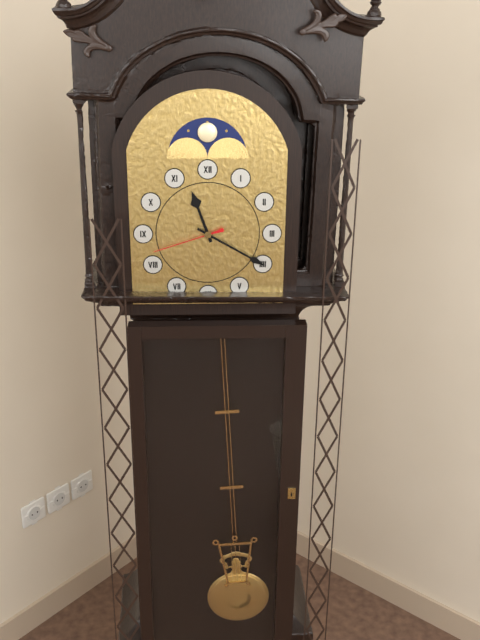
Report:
11h20m42s
